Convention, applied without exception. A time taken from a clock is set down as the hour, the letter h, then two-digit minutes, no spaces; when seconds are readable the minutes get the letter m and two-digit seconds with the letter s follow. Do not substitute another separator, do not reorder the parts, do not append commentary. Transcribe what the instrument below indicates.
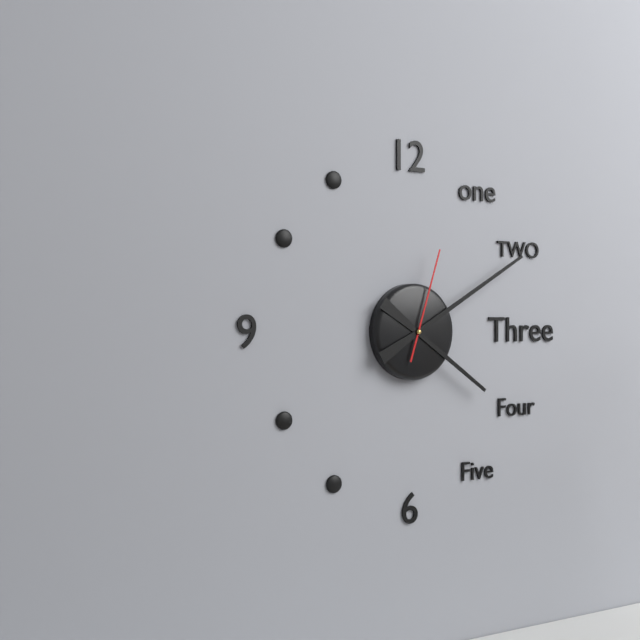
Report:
4h10m03s
